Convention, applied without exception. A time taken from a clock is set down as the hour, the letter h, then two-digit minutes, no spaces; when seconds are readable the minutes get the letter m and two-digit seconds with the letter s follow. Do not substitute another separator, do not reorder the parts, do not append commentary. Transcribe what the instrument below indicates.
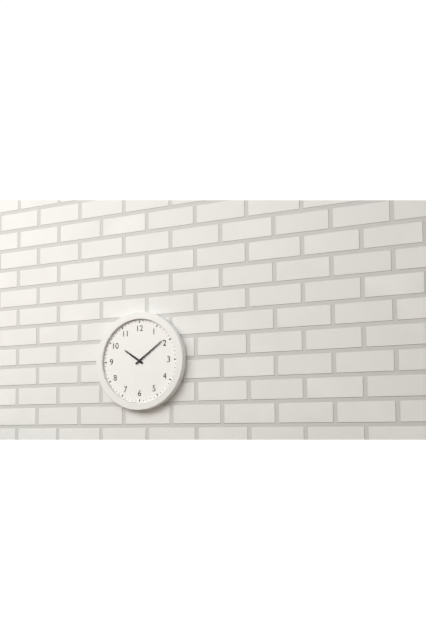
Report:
10h09
